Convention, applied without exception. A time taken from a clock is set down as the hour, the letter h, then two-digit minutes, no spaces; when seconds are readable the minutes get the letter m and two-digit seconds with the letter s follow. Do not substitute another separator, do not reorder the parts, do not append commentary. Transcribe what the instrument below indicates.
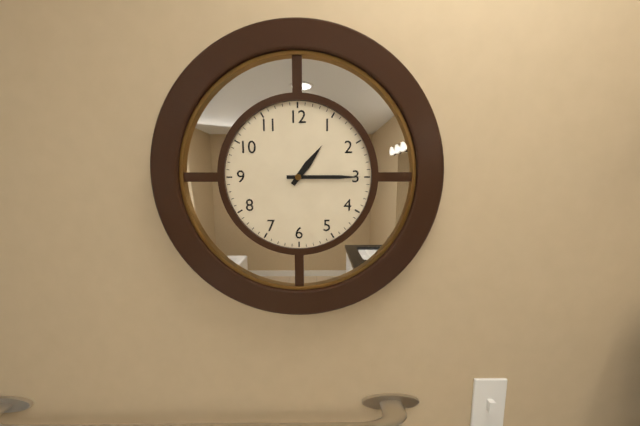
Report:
1h15
